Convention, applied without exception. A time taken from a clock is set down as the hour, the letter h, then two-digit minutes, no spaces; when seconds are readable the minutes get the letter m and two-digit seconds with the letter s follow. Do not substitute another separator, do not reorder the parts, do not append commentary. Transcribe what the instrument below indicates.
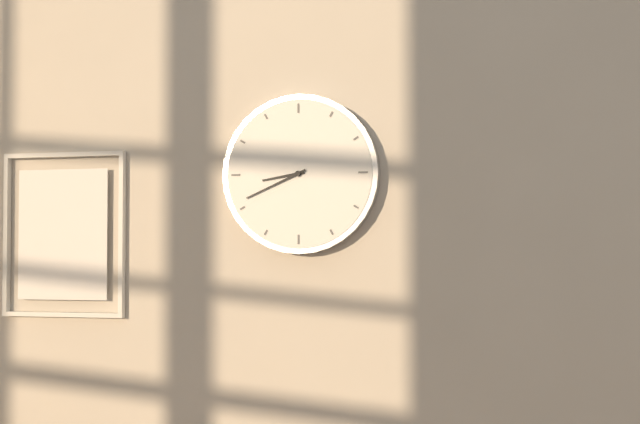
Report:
8h41
